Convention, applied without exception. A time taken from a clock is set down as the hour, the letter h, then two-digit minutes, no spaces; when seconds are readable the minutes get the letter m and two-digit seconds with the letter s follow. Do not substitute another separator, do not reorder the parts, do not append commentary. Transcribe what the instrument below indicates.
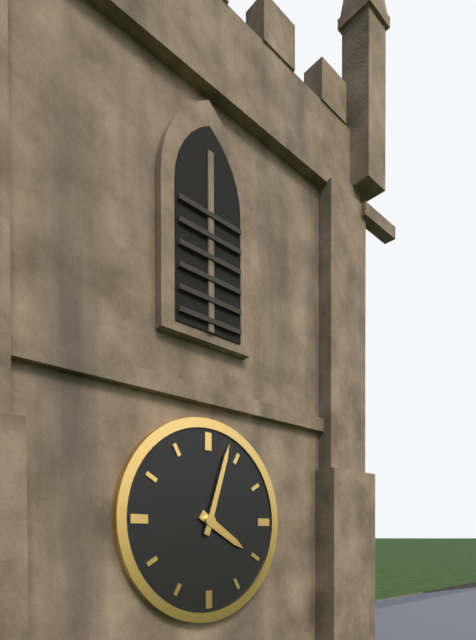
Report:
4h03
